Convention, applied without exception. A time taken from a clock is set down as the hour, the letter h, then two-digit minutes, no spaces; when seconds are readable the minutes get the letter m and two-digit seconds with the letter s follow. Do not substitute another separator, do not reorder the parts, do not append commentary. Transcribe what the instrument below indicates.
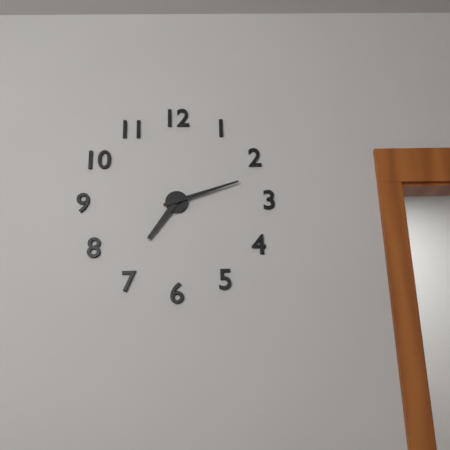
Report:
7h12
